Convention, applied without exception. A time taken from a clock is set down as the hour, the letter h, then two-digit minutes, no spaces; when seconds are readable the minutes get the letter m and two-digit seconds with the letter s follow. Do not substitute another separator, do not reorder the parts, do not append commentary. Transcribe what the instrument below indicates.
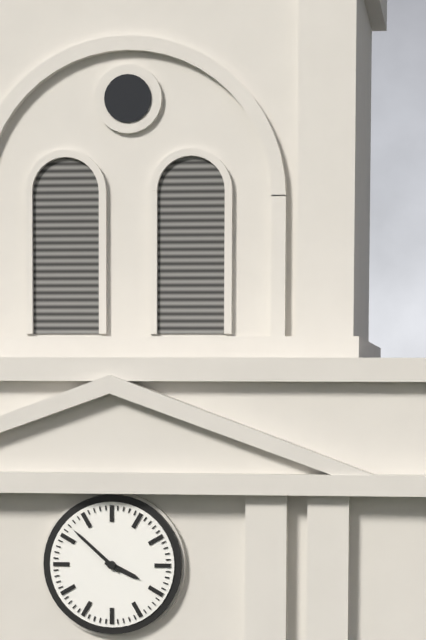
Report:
3h52
